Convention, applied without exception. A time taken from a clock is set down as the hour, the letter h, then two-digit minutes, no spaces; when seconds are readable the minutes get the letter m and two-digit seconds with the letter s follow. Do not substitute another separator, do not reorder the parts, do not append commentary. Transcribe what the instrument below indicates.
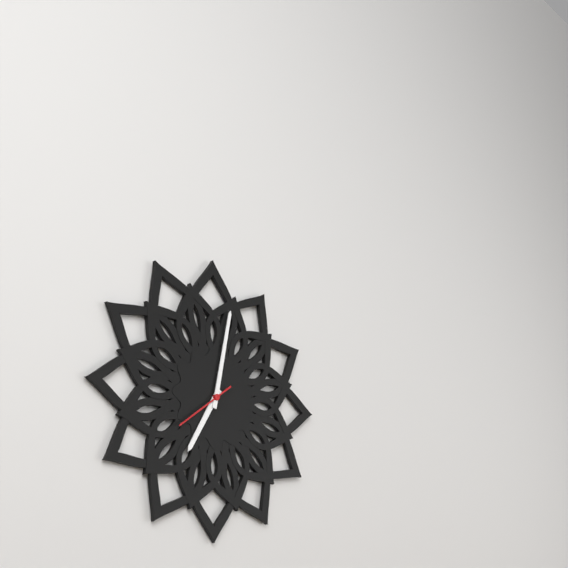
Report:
7h02m39s
